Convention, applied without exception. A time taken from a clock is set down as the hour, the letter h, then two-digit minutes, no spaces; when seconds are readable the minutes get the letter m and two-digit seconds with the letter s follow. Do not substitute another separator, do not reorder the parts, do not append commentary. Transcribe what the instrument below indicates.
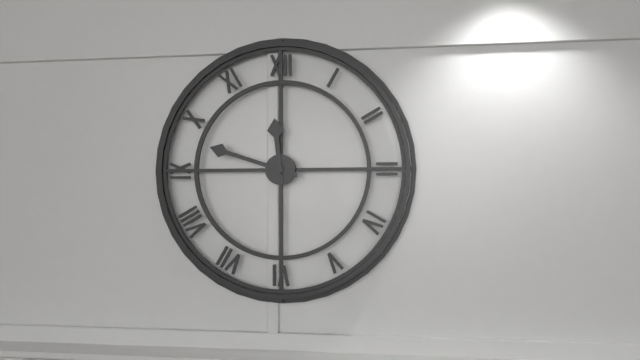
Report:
11h48
